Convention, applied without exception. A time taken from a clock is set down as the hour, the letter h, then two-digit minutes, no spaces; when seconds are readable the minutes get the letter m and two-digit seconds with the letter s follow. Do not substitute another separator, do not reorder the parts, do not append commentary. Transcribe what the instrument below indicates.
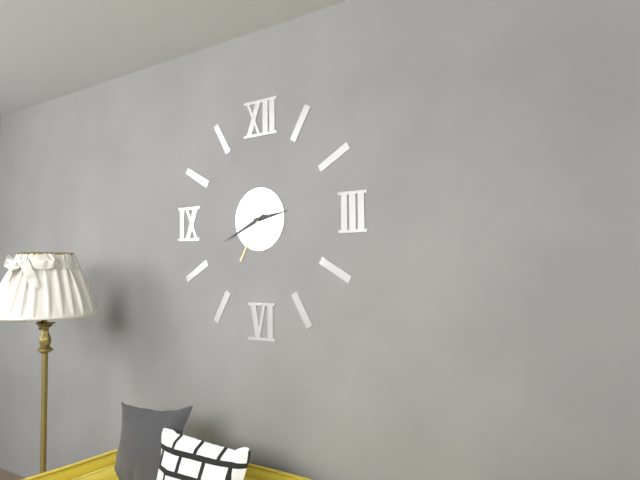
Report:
2h41m35s
